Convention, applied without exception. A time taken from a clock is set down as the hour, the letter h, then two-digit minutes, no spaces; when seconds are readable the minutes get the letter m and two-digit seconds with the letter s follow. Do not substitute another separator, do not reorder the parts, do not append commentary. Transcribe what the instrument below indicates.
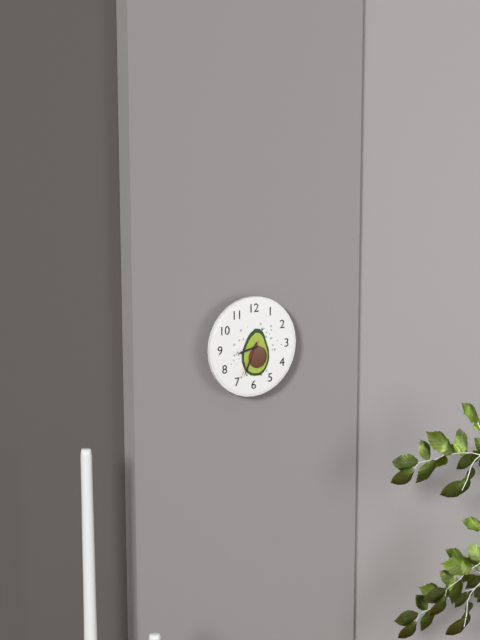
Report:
8h34
